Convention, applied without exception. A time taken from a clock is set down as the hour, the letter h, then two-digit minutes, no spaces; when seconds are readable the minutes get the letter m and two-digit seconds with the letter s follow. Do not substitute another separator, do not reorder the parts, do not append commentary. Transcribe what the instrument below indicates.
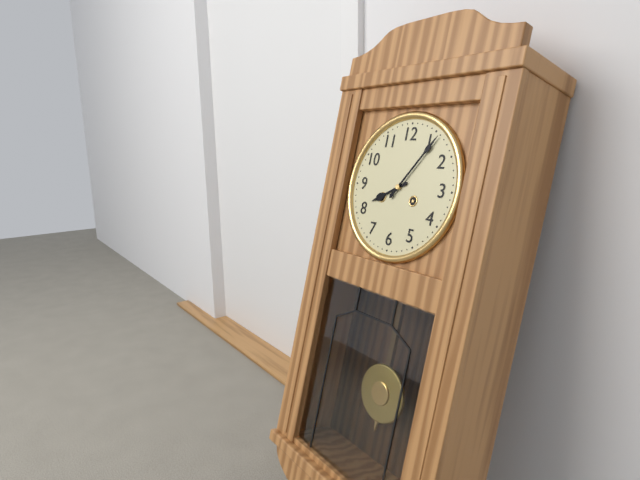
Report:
8h06
